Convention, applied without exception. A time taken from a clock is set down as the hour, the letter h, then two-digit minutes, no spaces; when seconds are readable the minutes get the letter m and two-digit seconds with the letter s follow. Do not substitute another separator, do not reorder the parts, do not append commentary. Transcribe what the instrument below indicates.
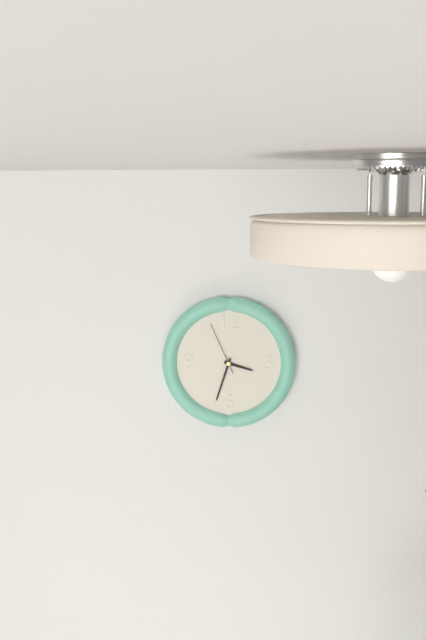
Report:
3h33m56s
